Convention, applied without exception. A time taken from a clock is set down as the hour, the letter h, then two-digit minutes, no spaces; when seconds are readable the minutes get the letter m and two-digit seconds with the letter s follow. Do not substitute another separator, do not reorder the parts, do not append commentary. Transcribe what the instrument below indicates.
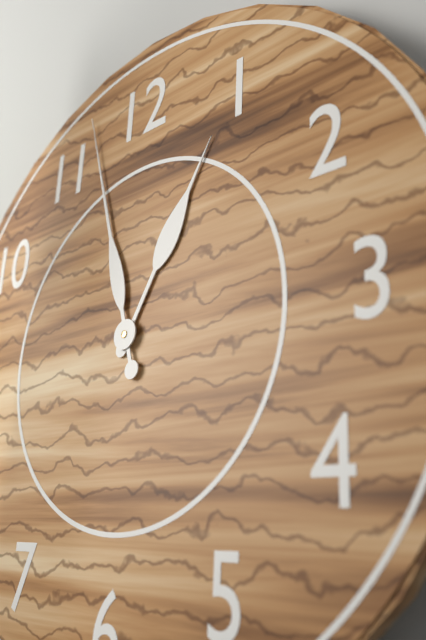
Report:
12h57
